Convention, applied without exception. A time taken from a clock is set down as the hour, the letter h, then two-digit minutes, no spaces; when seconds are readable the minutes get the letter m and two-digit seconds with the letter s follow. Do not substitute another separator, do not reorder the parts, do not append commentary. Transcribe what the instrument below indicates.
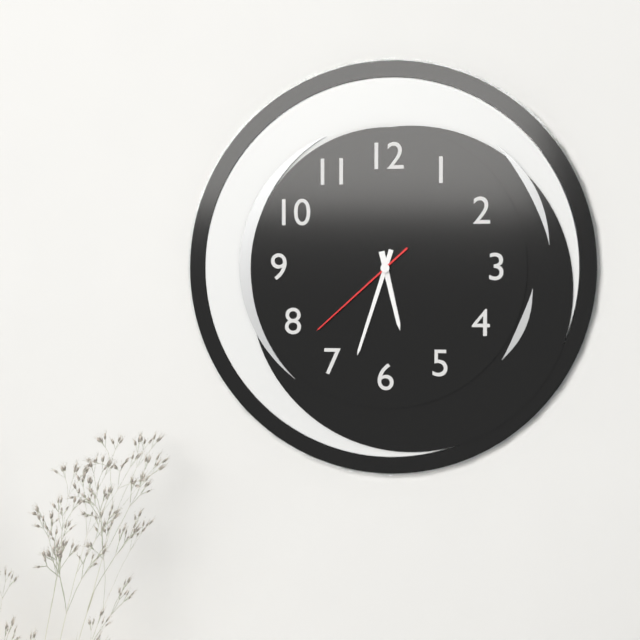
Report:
5h33m38s
